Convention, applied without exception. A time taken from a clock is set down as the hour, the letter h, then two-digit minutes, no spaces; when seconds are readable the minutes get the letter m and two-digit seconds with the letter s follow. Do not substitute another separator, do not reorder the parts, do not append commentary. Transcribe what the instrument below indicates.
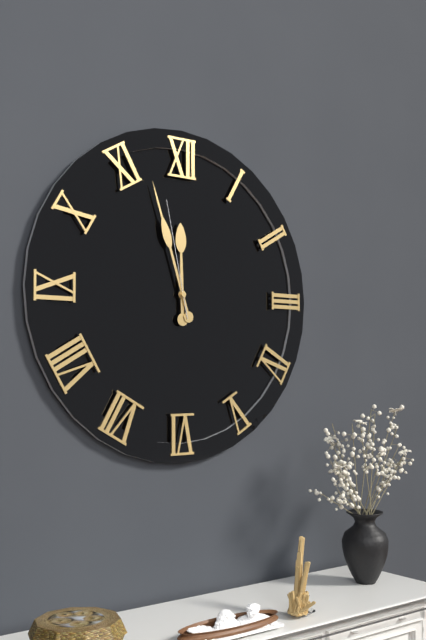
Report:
11h57m58s
